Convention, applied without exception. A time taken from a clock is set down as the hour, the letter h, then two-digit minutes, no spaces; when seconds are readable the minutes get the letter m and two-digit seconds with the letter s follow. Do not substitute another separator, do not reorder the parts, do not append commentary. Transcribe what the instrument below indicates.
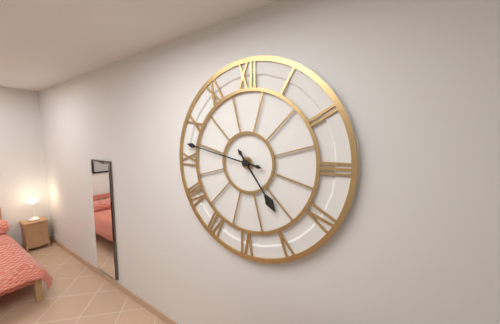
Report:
4h47
